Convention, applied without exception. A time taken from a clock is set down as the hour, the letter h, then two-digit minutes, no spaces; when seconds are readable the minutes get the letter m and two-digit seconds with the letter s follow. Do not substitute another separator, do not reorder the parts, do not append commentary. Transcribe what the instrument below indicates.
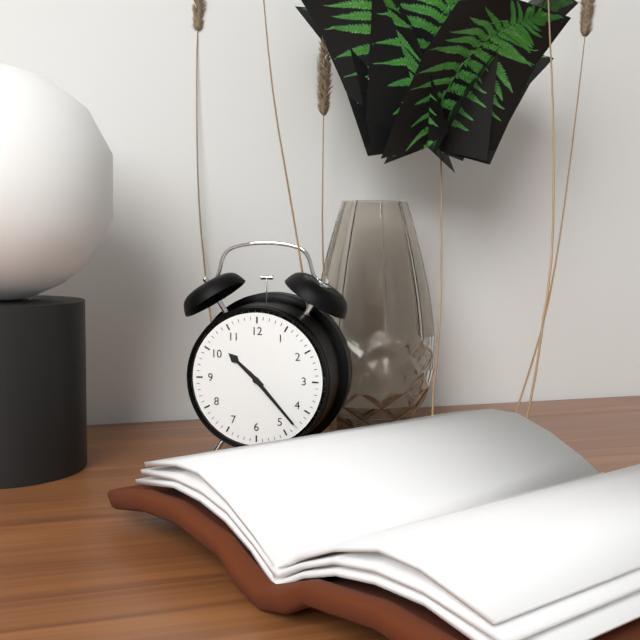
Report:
10h23
